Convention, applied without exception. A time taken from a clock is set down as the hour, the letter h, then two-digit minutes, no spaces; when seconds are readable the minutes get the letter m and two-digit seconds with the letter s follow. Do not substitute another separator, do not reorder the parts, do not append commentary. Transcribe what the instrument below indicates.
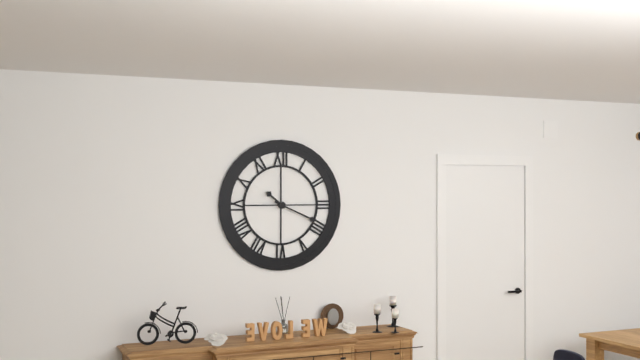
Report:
10h19
